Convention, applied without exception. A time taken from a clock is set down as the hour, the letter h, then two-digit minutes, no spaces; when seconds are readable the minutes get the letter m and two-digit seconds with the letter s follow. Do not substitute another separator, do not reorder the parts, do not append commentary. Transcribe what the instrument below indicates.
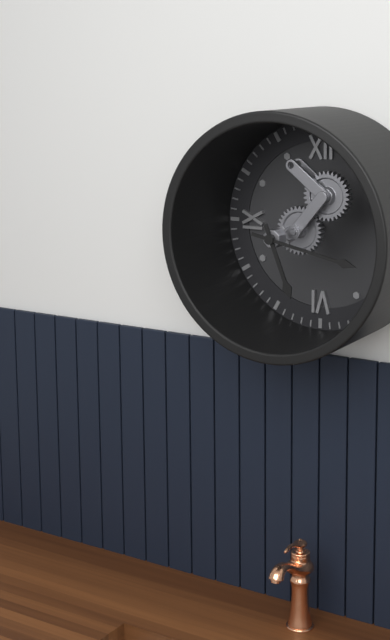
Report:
5h17
